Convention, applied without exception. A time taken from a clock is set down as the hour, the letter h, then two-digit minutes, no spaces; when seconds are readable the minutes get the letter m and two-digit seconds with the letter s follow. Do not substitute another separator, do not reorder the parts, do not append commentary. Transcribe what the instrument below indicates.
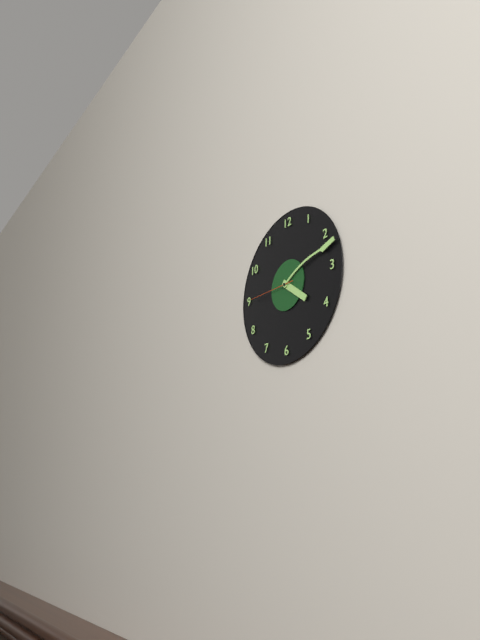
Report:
4h12m45s
